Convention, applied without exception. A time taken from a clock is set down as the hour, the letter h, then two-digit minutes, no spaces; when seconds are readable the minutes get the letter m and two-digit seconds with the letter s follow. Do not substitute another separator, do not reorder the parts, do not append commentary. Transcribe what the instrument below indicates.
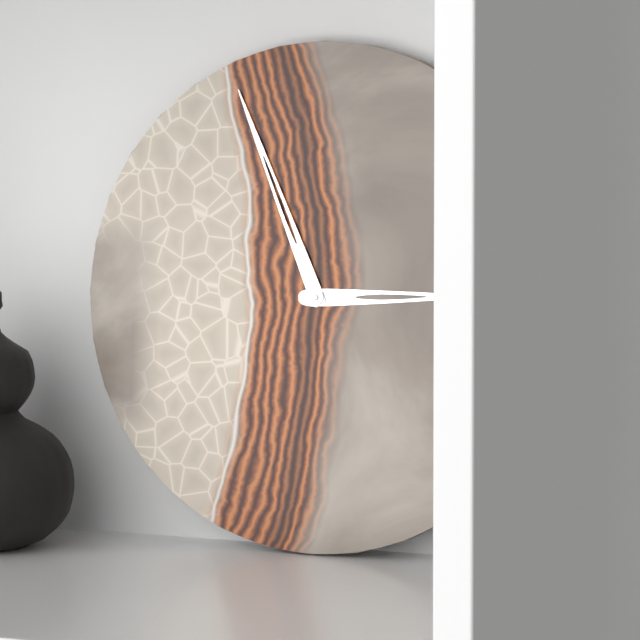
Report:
2h56
